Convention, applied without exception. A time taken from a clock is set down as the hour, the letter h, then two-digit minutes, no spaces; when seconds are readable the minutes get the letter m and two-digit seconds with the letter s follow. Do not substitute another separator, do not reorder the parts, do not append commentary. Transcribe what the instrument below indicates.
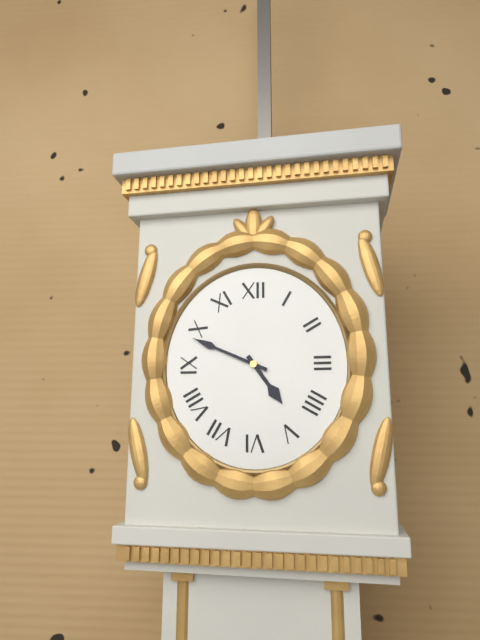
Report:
4h49
